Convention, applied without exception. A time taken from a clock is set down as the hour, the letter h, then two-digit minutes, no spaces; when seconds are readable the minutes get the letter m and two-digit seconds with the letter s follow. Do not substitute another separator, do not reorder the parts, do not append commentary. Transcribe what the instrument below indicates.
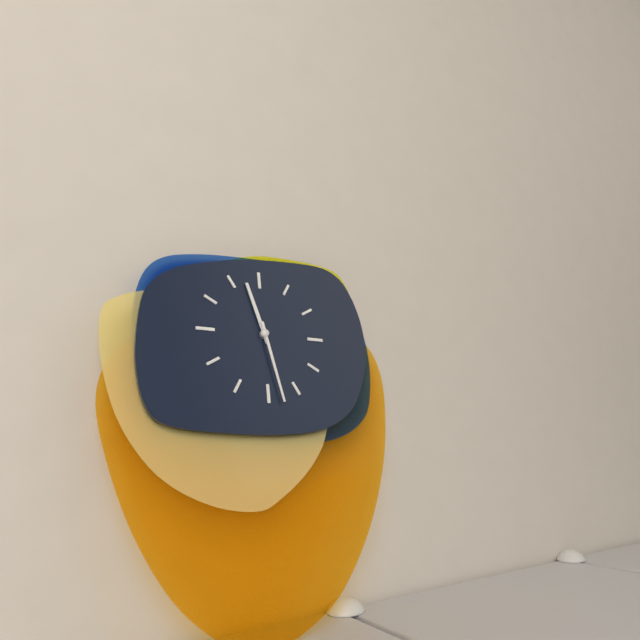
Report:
11h28
